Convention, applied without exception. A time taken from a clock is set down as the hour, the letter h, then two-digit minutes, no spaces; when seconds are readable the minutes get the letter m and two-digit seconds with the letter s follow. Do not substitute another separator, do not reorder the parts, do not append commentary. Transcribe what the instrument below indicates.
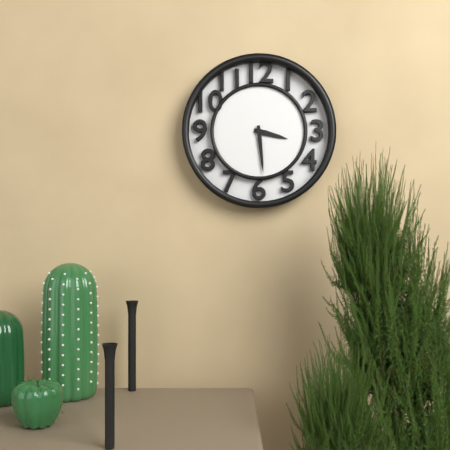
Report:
3h29
